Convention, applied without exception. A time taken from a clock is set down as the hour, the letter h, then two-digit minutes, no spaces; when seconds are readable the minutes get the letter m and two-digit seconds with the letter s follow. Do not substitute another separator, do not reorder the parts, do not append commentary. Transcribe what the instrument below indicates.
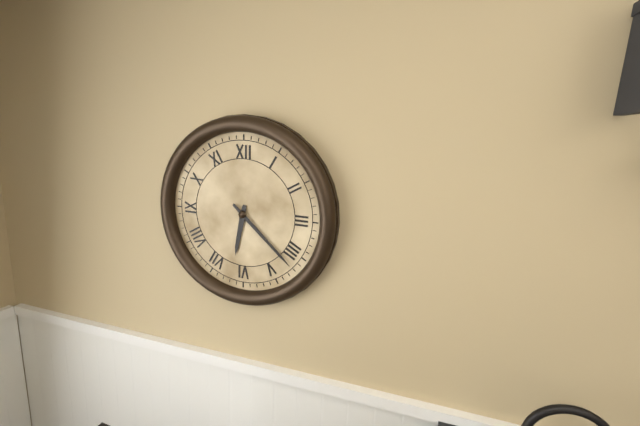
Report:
6h22
